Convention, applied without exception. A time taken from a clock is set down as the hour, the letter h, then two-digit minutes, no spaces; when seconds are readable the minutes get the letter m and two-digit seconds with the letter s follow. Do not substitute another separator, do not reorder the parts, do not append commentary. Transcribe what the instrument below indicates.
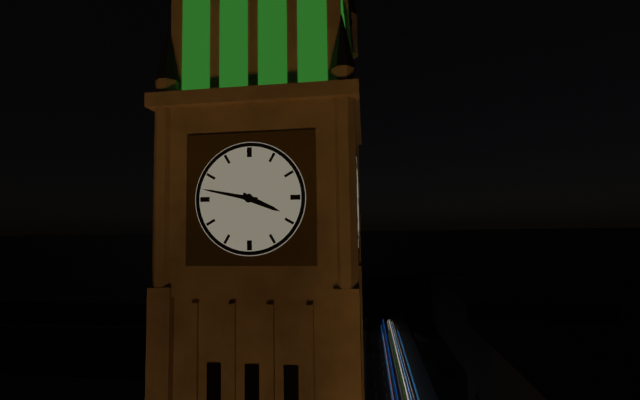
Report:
3h47
